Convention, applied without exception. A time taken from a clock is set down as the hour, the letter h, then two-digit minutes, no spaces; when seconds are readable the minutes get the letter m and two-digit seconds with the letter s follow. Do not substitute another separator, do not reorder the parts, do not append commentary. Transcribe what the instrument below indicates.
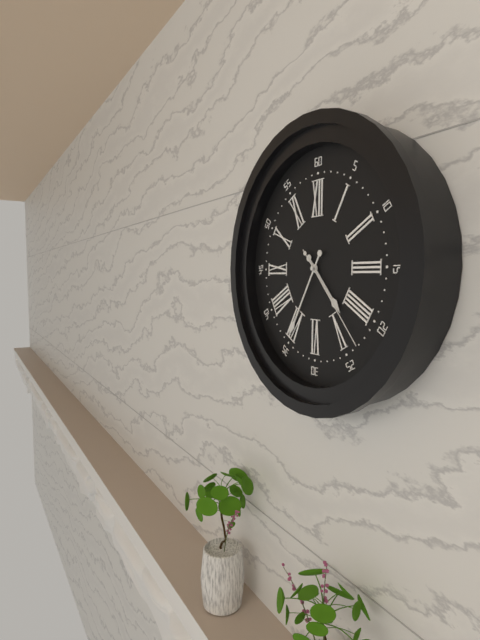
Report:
4h35m23s
